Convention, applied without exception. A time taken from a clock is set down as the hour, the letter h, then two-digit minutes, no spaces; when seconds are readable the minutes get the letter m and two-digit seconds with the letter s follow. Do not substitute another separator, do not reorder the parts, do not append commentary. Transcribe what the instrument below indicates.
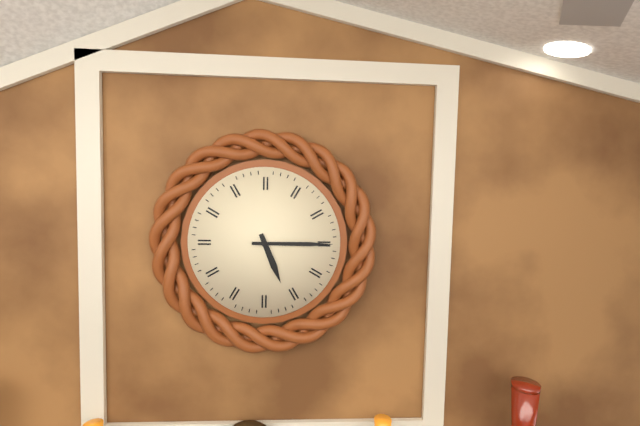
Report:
5h15
